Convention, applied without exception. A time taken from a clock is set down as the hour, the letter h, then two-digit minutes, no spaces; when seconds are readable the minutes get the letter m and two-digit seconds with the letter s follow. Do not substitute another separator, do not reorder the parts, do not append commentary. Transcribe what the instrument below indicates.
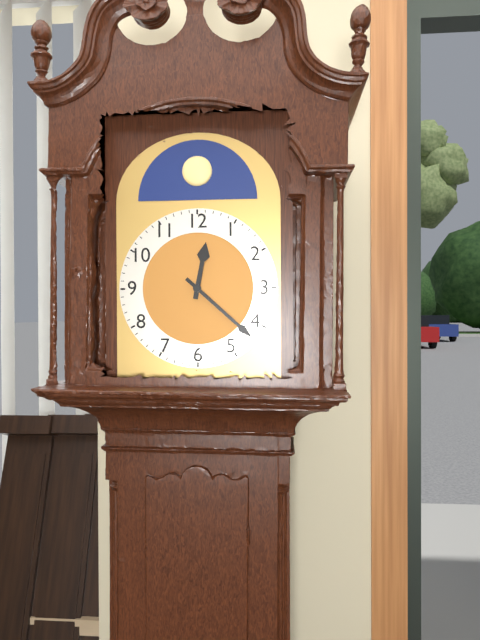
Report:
12h22
